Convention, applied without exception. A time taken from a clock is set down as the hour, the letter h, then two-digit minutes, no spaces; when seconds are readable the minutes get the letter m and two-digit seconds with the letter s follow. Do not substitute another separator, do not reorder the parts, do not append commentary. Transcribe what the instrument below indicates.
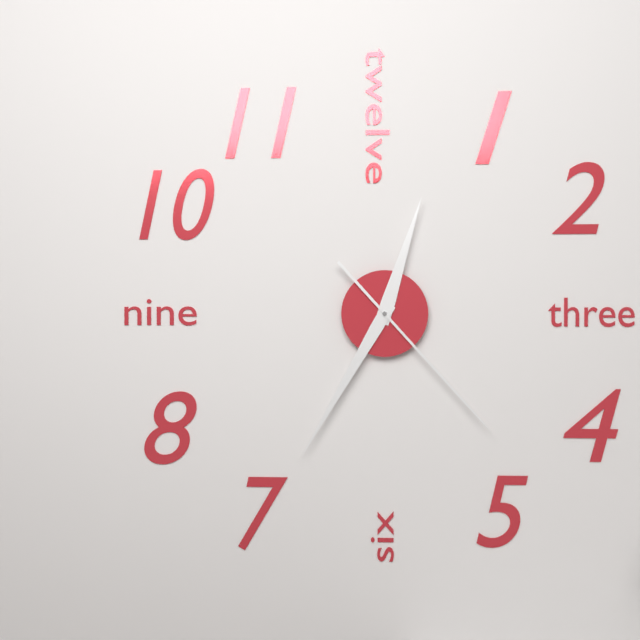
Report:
12h35m23s
